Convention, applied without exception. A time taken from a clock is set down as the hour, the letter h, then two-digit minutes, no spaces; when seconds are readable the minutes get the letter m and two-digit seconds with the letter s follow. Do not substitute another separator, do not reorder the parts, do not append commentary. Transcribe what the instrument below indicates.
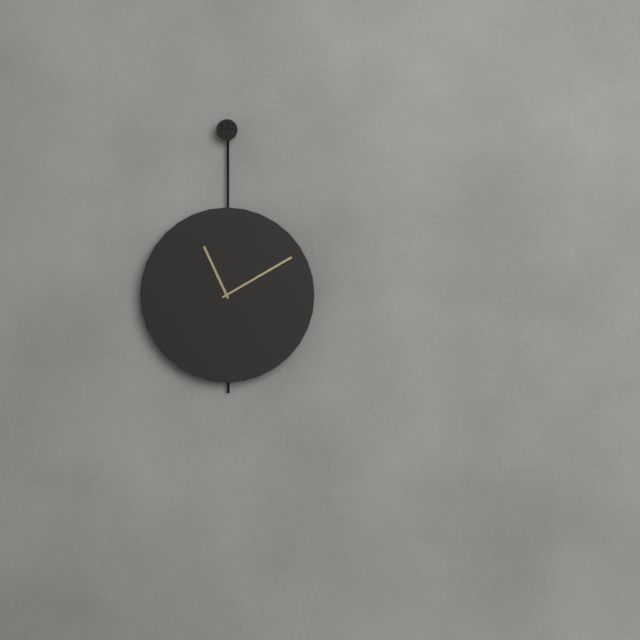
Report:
11h10
